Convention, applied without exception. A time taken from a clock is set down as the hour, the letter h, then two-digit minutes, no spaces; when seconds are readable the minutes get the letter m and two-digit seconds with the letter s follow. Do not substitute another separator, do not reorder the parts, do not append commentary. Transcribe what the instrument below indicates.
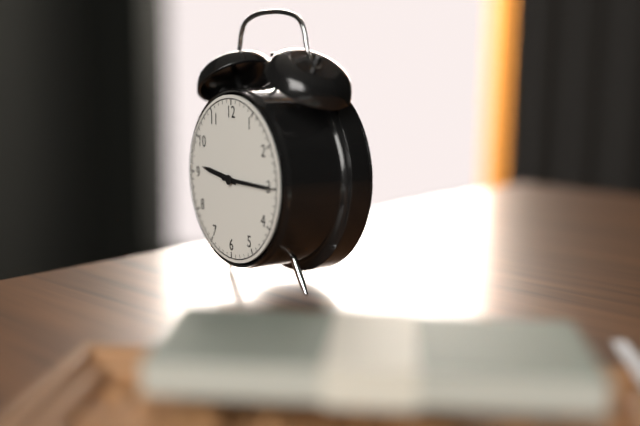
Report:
9h15
